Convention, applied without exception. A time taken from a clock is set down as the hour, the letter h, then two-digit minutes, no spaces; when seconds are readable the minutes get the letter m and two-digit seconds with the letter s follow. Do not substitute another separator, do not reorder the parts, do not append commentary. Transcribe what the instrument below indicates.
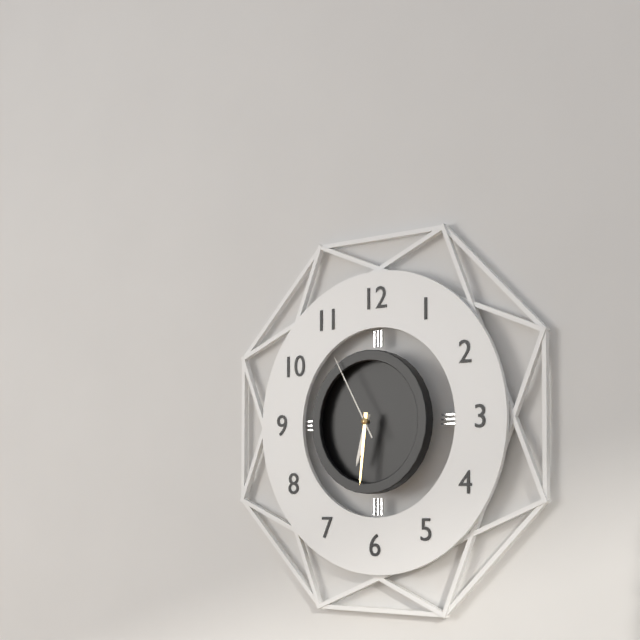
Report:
6h31m55s
